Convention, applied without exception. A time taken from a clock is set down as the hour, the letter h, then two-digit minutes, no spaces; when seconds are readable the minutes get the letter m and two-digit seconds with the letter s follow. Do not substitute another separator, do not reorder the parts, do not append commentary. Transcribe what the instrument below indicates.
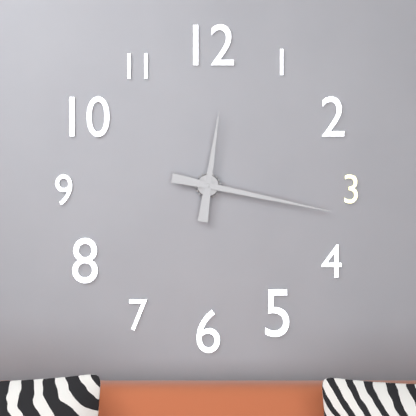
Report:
12h17
